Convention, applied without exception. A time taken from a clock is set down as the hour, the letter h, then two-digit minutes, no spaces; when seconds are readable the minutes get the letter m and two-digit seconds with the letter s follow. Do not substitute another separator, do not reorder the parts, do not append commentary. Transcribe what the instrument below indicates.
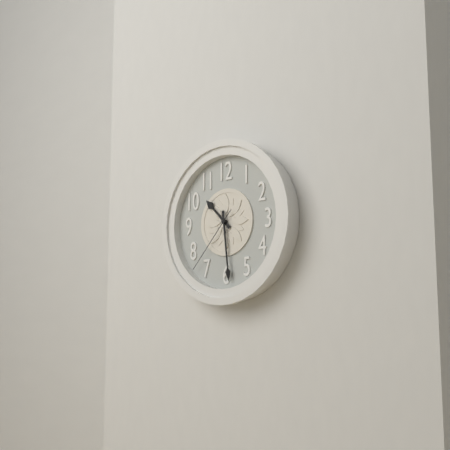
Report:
10h29m37s
